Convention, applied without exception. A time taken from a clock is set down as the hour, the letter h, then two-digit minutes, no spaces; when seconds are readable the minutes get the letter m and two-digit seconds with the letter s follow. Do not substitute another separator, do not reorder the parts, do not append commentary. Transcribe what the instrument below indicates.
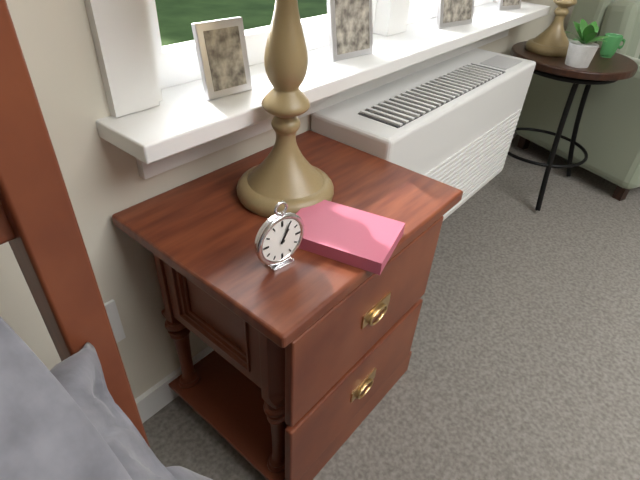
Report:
1h04
